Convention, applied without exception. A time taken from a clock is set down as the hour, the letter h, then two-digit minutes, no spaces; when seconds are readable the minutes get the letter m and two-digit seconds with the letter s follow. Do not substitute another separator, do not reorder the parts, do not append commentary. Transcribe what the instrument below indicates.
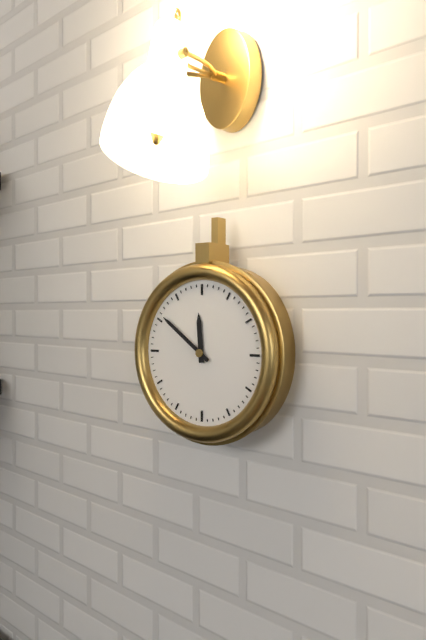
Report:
11h51
